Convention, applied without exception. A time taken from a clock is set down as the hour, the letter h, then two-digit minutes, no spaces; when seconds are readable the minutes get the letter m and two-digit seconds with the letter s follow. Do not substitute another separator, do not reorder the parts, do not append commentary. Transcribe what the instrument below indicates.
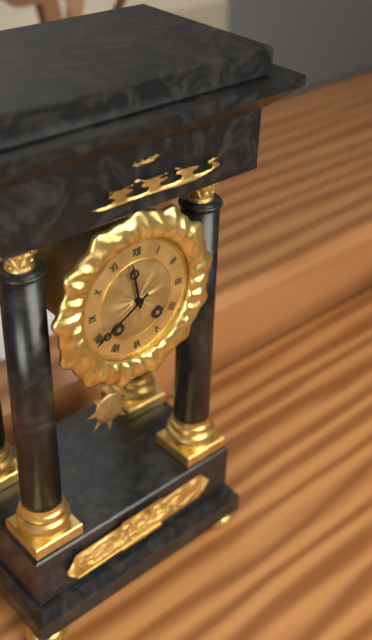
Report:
11h40
